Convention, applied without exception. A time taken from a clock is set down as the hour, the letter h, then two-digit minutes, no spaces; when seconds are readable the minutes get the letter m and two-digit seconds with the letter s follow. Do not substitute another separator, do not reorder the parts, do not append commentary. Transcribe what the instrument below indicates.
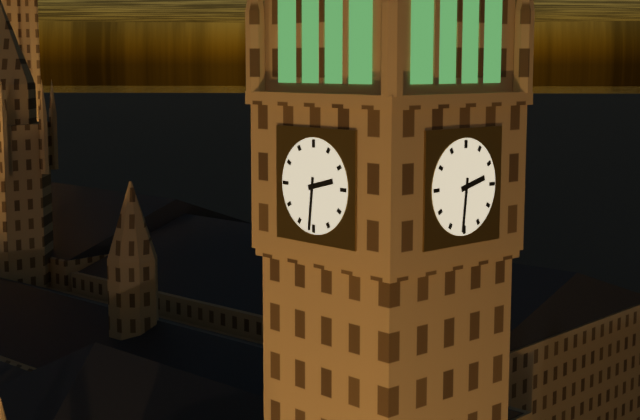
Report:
2h31
